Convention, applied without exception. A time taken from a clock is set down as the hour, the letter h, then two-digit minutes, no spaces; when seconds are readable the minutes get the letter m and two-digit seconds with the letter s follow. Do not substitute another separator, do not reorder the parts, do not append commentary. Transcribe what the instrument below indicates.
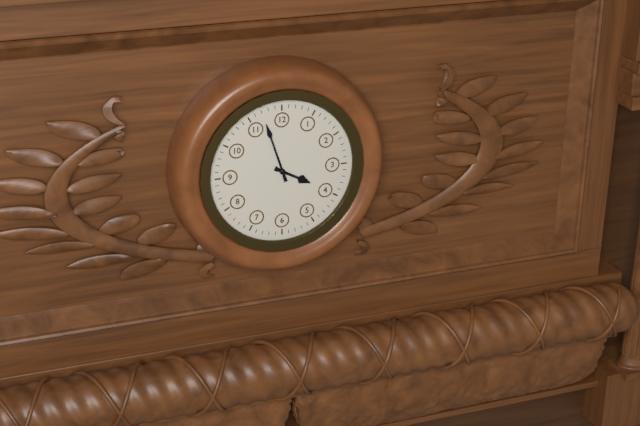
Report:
3h57
